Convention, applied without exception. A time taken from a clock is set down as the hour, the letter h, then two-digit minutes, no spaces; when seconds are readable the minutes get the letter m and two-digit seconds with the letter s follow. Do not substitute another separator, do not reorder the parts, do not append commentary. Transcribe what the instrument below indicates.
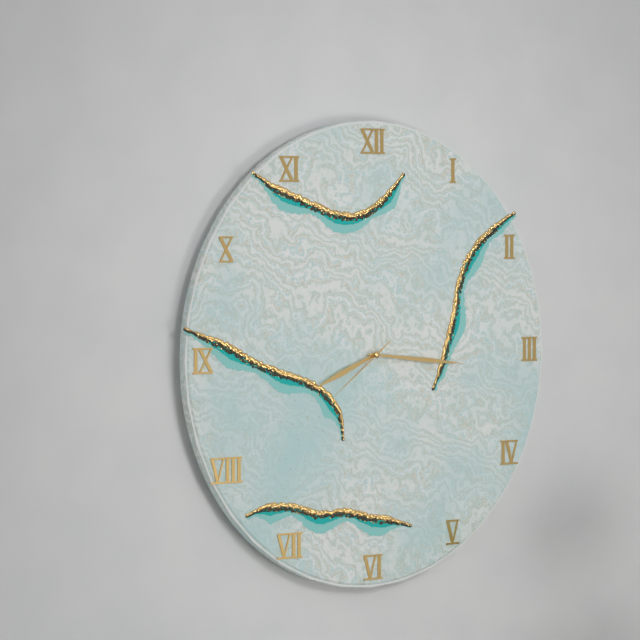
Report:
8h16m39s
